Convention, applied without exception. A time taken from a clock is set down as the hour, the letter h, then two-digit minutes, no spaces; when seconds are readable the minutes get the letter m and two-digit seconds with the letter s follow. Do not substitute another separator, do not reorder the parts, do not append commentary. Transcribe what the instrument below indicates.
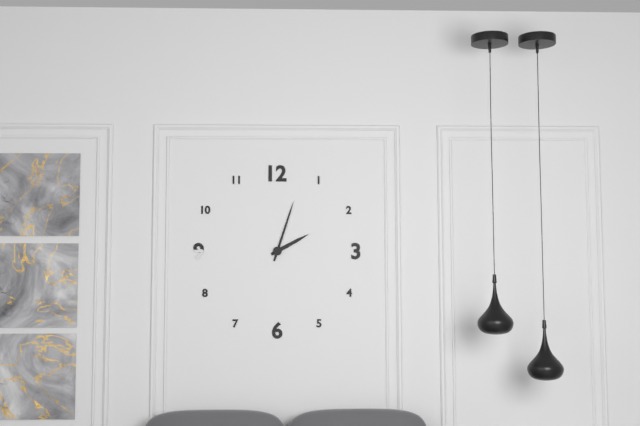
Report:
2h03
